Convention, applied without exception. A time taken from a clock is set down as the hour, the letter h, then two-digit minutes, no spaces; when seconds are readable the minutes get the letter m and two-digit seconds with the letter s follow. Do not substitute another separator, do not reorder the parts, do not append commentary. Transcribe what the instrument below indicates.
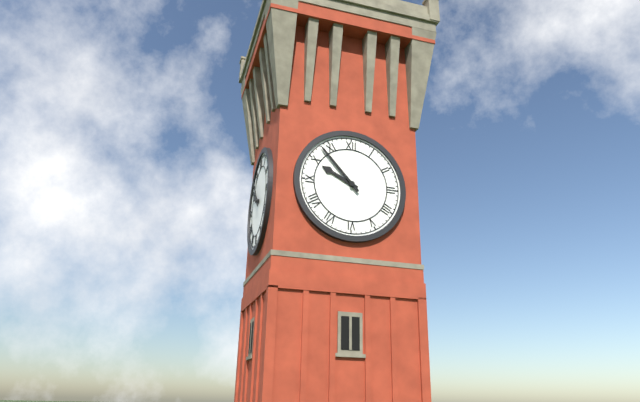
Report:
9h53
